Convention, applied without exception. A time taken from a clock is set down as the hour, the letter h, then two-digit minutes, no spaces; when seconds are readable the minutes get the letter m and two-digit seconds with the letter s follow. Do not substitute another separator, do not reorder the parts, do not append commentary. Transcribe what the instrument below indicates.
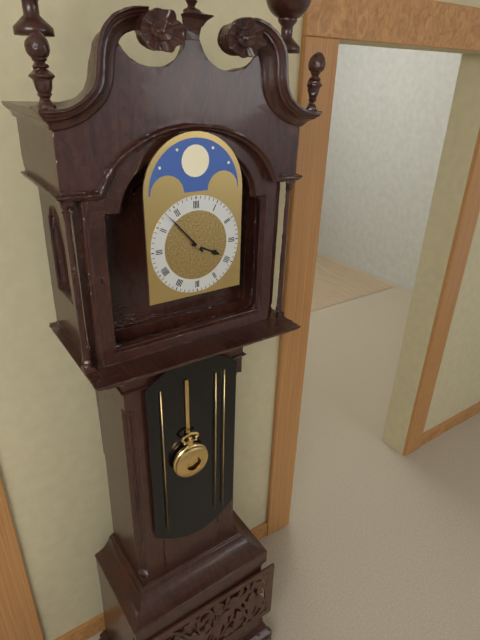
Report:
3h53
